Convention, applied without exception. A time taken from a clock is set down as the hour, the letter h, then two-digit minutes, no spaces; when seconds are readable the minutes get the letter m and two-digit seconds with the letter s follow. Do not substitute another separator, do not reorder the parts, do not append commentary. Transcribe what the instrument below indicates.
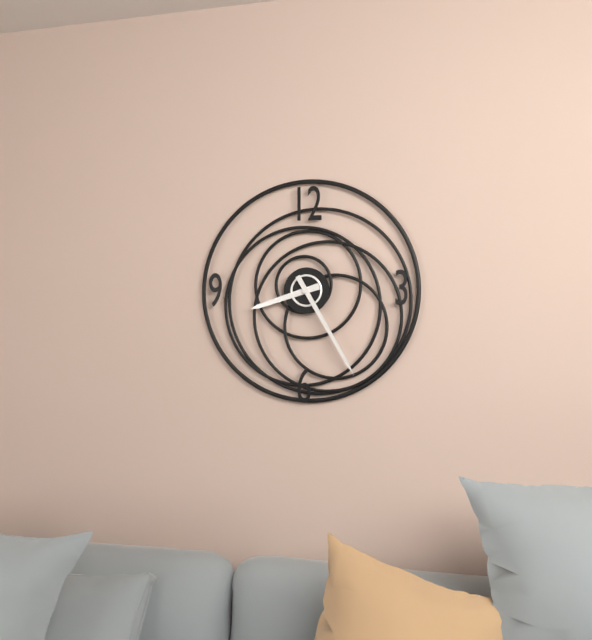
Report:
8h25
